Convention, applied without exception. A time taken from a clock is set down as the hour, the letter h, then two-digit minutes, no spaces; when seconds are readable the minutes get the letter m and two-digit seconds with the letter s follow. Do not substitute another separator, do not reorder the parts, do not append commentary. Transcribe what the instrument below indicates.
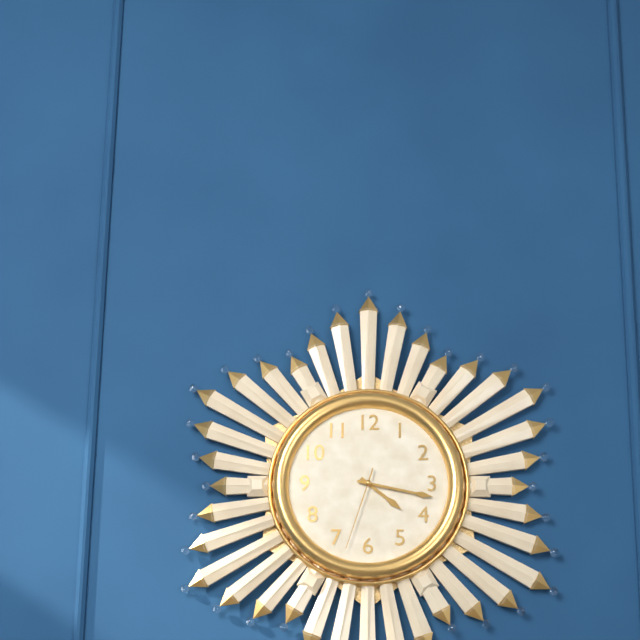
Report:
4h17m33s
